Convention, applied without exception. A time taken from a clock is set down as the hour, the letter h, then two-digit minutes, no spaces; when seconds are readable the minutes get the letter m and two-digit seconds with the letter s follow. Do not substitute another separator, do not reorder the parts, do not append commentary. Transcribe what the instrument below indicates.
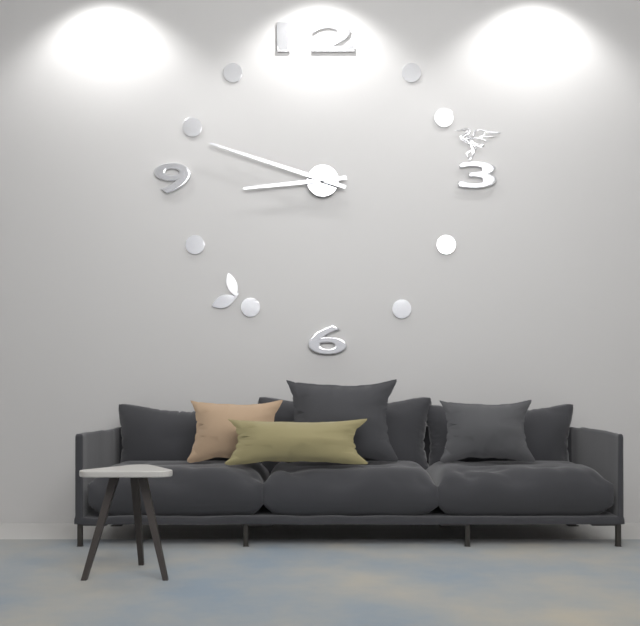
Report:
8h48
